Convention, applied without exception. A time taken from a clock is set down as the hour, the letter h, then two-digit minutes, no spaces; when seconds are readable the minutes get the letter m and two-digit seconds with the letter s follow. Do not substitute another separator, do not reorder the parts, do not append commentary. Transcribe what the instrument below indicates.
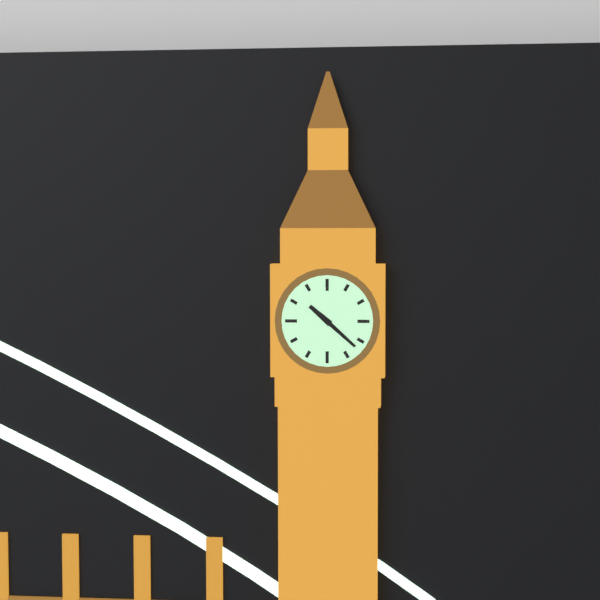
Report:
10h22
